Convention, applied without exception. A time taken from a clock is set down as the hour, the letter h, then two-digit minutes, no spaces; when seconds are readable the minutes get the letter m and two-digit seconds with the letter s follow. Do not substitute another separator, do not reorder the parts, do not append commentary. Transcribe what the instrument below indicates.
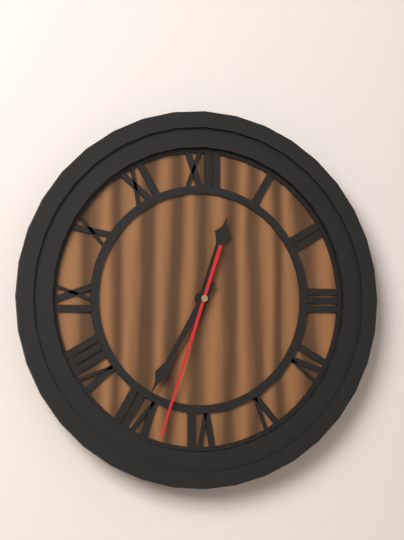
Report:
12h35m33s
